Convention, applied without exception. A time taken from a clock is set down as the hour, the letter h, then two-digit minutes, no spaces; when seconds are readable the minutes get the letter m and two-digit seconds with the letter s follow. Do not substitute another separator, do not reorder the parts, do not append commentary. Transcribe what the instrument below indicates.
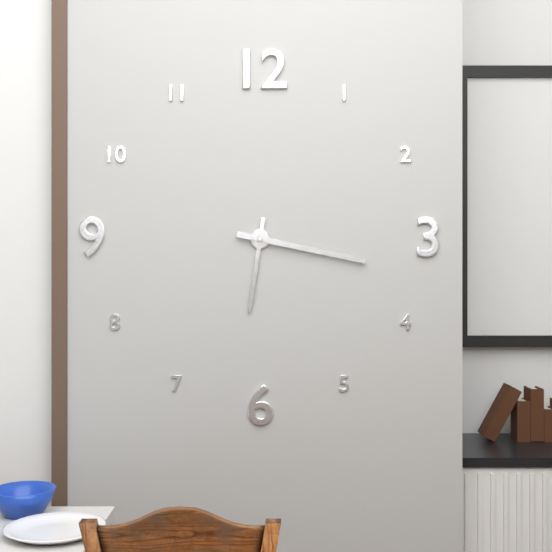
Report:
6h17
